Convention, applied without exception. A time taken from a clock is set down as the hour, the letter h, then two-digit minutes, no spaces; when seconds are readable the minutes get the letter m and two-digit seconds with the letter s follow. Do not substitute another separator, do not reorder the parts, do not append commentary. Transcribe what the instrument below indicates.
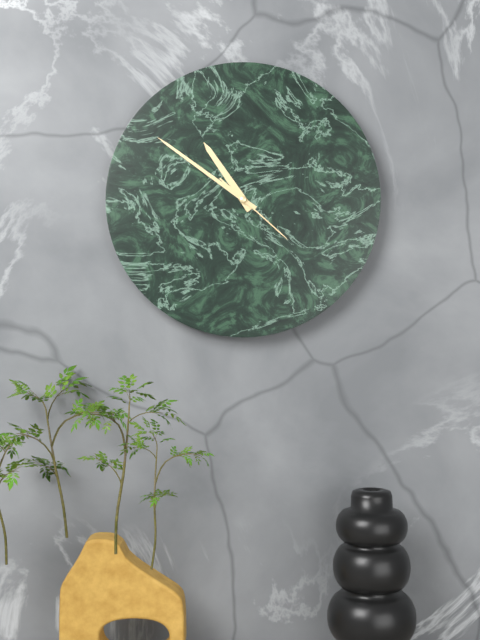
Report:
10h51m22s
